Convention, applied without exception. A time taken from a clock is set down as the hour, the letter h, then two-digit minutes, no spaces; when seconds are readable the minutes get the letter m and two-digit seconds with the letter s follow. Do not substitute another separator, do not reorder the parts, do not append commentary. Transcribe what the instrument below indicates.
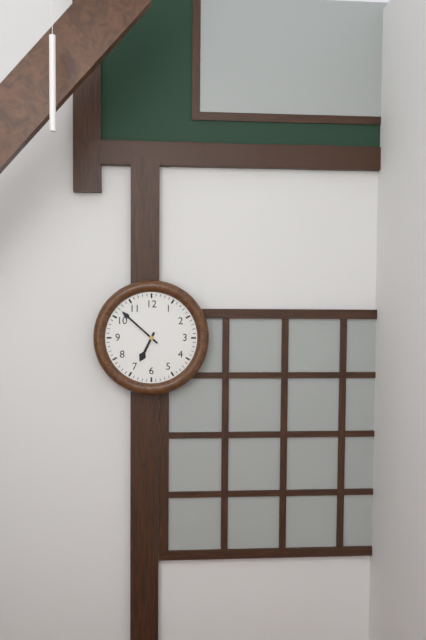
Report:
6h52
